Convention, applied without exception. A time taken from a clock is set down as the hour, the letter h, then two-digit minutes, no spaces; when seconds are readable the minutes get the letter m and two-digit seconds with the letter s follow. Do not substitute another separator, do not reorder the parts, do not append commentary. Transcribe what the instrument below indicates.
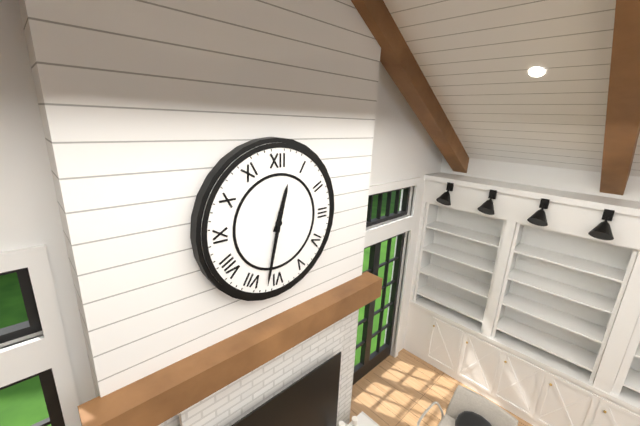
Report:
12h32
